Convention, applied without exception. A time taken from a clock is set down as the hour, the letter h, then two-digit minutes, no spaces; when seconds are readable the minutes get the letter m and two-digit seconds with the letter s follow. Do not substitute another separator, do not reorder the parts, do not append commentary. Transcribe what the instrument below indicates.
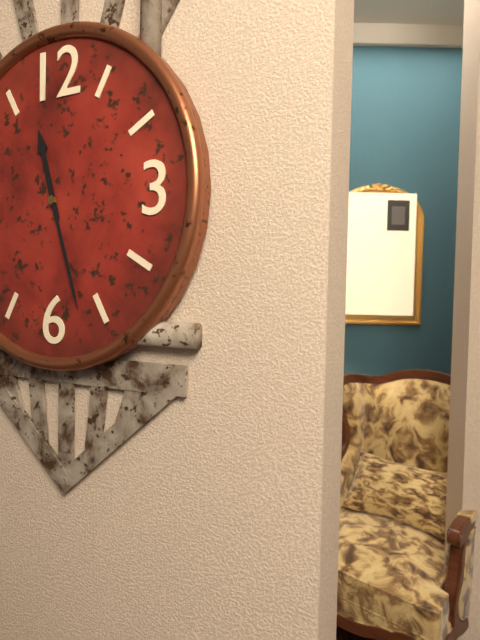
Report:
11h27
